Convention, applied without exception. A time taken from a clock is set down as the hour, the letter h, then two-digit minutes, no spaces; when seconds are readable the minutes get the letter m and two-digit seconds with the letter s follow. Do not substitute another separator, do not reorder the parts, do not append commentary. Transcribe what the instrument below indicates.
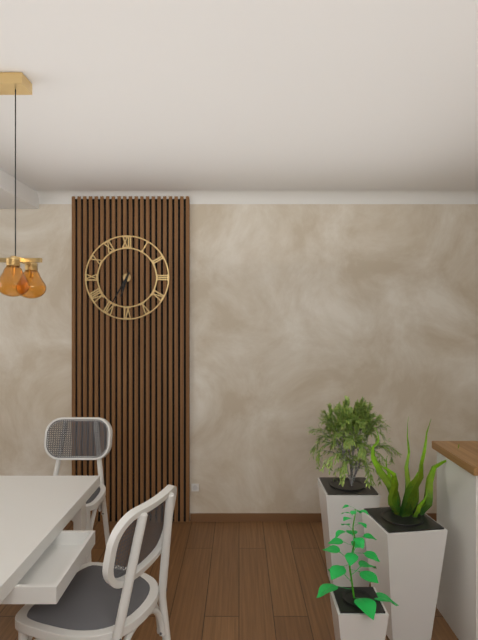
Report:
6h35
